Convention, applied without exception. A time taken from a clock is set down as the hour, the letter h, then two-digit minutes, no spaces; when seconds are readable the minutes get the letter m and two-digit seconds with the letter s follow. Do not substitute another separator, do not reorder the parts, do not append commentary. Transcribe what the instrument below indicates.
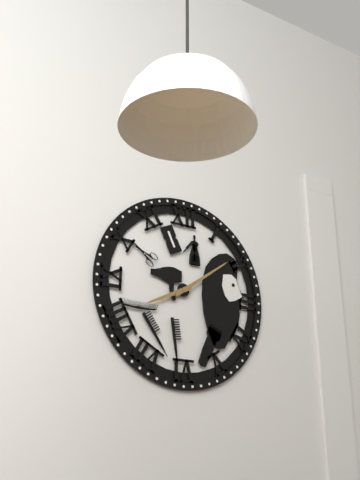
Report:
8h09
